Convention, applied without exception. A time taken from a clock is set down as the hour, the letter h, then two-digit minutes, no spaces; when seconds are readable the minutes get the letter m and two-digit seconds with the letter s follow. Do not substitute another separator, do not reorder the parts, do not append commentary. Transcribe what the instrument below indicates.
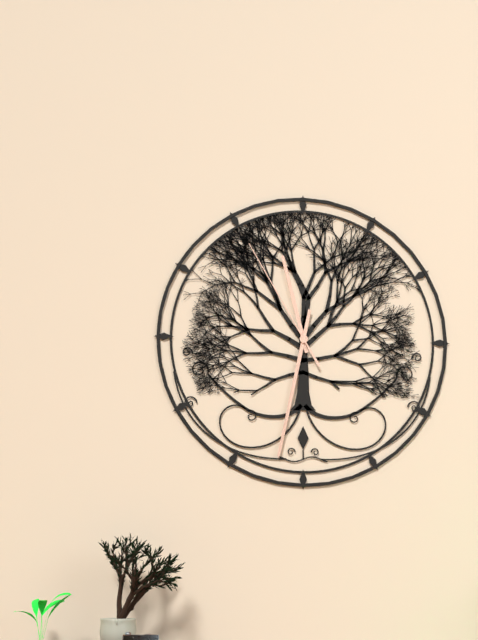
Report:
11h32m55s
